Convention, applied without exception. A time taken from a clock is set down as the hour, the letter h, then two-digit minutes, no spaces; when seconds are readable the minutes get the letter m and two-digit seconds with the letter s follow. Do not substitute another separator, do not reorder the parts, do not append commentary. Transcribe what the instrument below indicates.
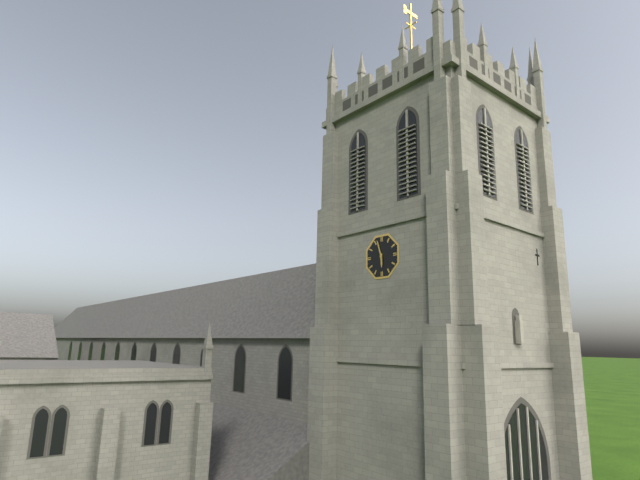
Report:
5h57
